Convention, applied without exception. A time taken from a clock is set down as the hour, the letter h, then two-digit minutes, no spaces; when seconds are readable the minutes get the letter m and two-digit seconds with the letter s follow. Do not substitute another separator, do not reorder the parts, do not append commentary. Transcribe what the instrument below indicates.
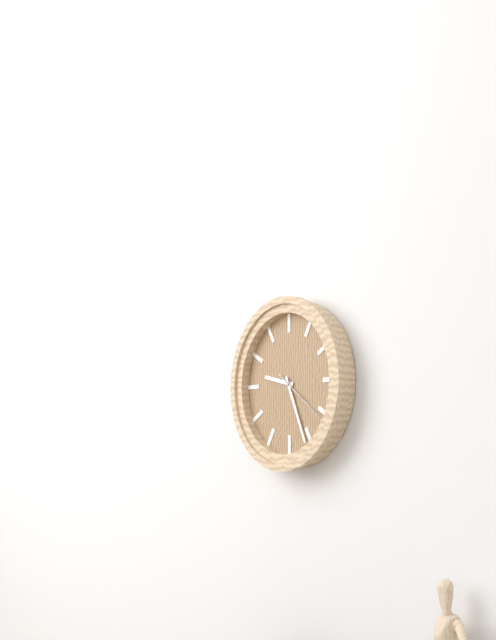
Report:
9h26m21s
